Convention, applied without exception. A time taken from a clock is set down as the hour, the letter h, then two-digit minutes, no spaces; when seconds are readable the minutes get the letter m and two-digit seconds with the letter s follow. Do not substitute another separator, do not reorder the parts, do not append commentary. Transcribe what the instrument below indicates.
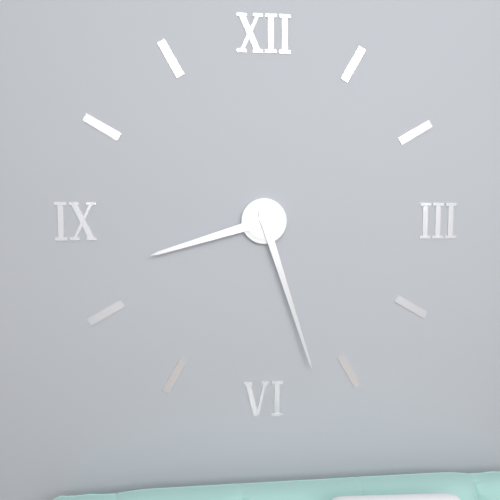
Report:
8h27
